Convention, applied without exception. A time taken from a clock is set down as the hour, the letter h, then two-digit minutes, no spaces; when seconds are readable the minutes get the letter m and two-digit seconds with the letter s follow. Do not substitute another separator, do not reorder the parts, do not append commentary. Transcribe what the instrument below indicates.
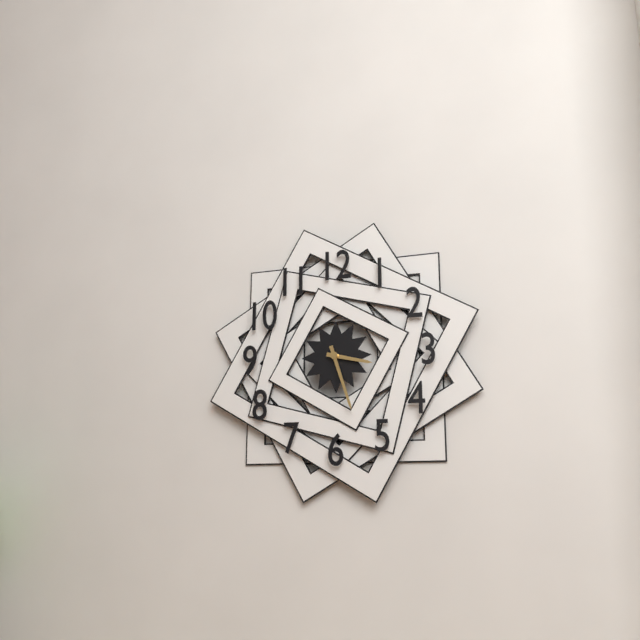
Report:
3h27
